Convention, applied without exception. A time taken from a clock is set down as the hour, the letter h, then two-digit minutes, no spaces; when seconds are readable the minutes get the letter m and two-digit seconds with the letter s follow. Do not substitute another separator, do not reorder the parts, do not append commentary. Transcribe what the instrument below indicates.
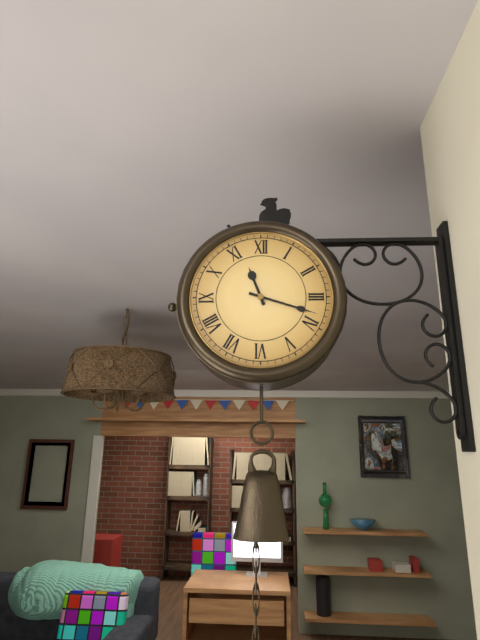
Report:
11h18
